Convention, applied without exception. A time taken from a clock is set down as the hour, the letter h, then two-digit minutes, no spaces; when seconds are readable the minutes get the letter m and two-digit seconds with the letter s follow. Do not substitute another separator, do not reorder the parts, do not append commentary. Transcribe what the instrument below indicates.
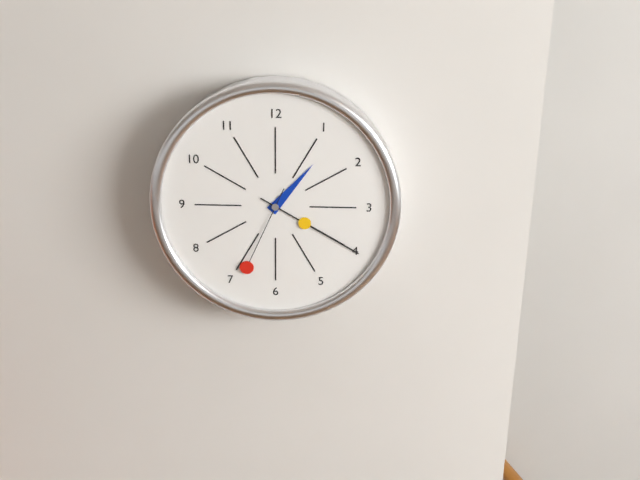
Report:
1h20m34s
